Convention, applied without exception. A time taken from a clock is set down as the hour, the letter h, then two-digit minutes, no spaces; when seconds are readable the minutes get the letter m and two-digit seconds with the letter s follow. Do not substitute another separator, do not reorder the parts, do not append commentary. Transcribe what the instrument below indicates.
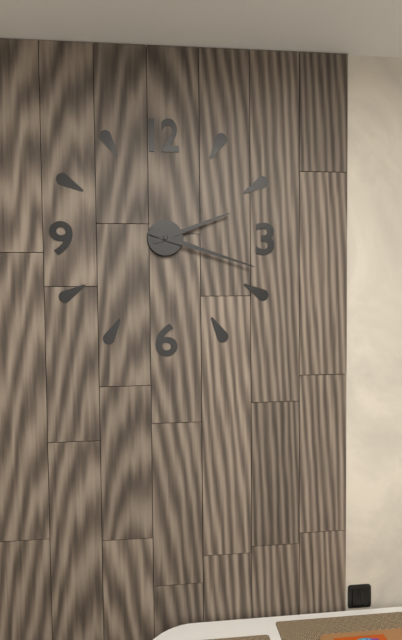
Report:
2h18
